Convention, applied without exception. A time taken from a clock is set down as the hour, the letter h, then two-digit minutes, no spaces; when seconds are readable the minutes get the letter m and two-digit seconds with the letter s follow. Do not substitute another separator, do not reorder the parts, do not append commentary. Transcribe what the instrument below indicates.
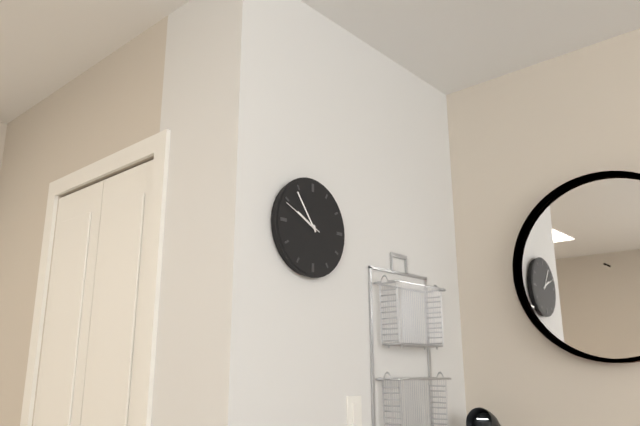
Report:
9h54
